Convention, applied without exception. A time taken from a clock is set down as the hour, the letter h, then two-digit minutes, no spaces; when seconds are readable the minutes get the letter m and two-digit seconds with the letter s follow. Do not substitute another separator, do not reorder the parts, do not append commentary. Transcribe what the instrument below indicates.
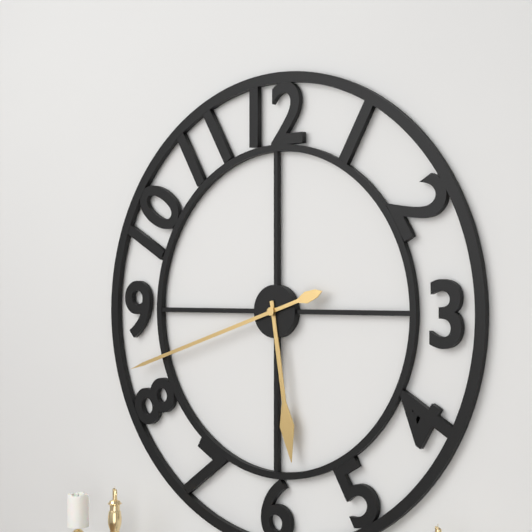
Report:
5h42
